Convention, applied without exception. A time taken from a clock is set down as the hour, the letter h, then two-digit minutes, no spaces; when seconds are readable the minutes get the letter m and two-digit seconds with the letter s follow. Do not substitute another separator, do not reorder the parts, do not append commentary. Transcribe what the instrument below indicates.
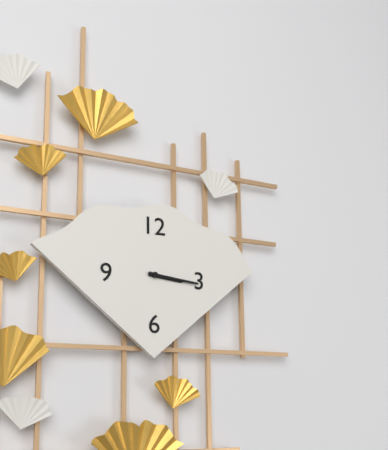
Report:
3h16
